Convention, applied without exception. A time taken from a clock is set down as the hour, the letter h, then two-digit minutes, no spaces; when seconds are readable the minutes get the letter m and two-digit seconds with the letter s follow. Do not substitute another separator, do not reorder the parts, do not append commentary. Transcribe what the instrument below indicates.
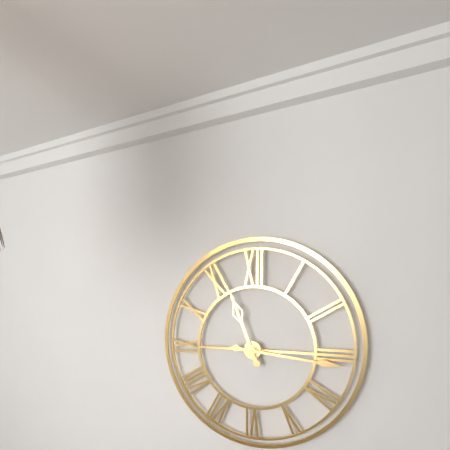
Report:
11h16
